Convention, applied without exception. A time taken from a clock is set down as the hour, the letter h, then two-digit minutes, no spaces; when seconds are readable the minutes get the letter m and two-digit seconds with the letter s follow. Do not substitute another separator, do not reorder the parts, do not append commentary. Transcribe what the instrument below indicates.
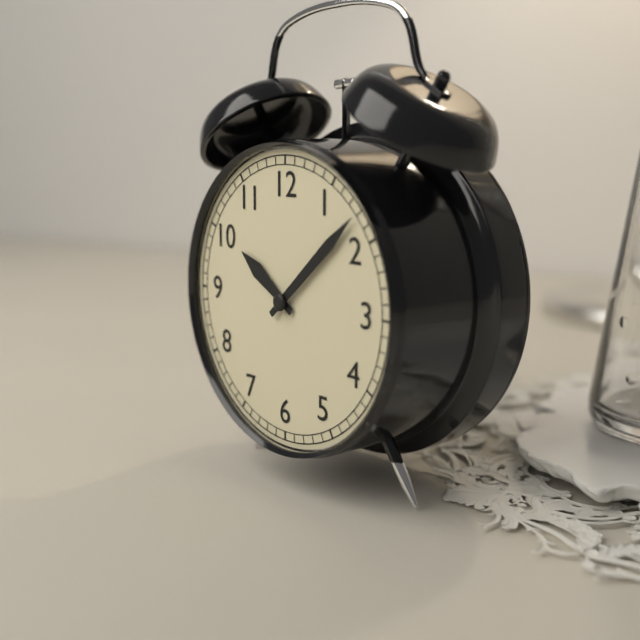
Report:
10h08
